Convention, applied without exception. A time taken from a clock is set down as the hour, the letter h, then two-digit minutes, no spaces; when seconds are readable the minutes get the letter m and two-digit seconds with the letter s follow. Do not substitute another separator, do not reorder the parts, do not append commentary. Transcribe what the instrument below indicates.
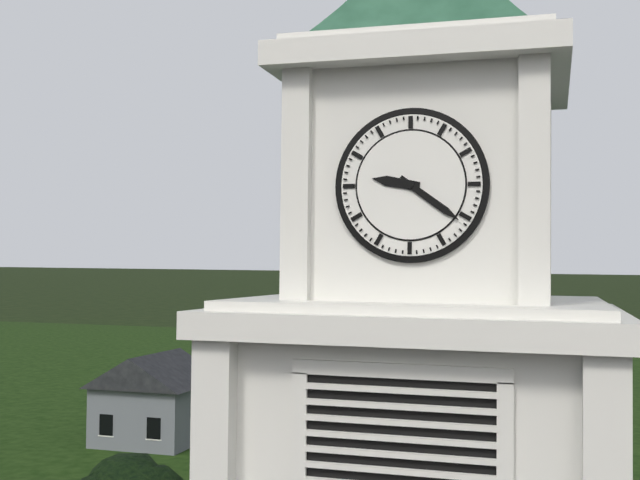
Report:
9h21
